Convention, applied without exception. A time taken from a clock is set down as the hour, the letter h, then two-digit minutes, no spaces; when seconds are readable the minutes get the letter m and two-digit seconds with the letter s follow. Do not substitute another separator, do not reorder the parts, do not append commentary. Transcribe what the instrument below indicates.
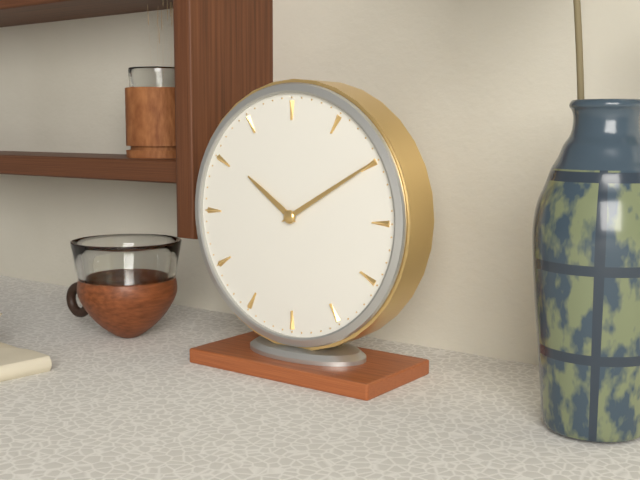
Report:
10h10
